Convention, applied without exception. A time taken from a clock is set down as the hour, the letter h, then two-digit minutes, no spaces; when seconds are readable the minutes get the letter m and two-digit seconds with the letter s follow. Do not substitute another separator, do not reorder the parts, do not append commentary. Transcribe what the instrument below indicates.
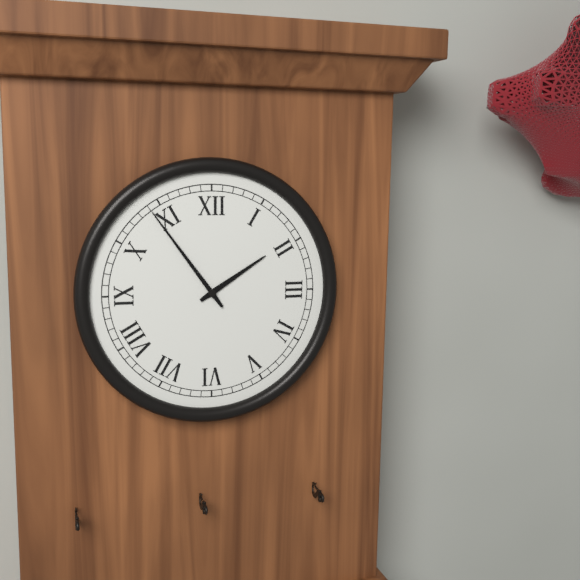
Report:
1h54
